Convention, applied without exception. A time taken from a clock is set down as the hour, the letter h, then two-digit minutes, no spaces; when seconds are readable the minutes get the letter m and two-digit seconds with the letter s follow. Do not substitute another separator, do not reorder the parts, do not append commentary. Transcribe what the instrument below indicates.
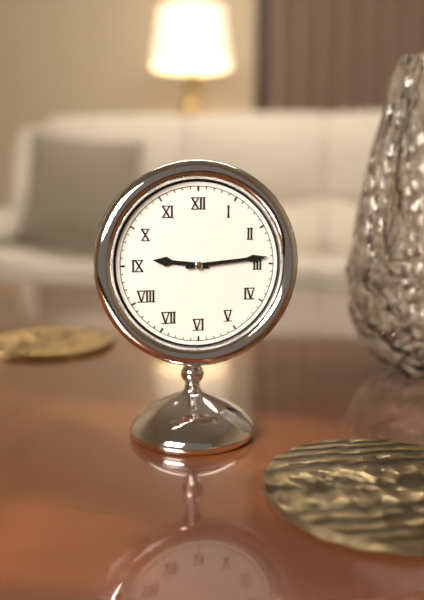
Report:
9h14
